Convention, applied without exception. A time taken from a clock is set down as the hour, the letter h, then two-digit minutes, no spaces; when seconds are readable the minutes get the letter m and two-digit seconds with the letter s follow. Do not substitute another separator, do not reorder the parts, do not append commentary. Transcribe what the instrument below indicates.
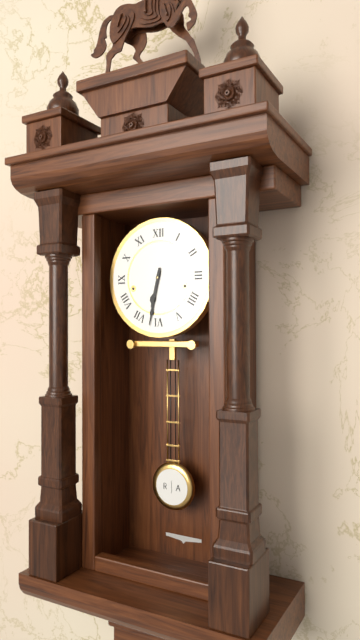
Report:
6h32
